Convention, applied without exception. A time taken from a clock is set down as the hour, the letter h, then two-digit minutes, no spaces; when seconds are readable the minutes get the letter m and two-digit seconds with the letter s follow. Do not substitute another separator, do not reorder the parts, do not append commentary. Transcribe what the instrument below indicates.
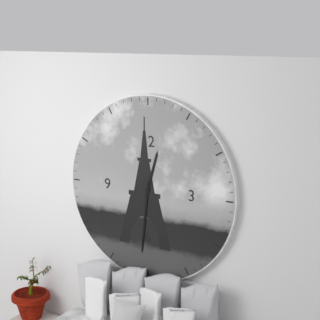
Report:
12h31
